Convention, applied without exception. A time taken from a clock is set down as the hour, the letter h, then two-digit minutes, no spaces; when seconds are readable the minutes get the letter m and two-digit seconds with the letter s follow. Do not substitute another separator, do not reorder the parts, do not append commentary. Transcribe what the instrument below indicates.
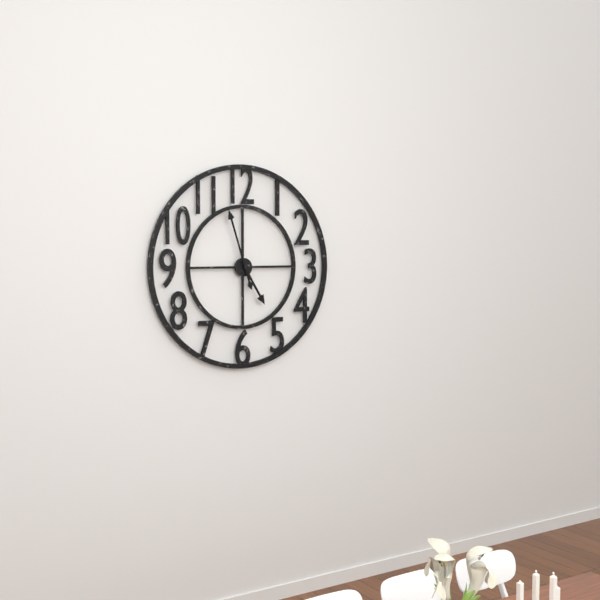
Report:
4h57
